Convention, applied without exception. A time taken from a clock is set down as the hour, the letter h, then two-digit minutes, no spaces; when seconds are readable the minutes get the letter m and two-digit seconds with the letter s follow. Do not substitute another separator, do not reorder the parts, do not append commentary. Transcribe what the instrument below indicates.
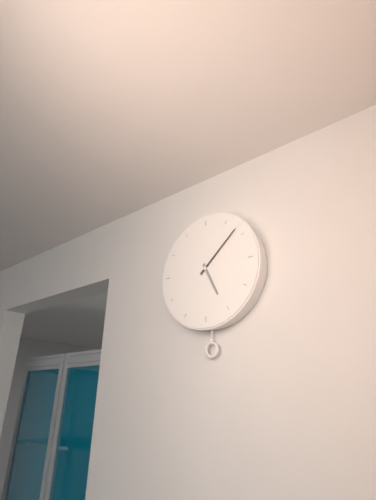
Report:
5h08
